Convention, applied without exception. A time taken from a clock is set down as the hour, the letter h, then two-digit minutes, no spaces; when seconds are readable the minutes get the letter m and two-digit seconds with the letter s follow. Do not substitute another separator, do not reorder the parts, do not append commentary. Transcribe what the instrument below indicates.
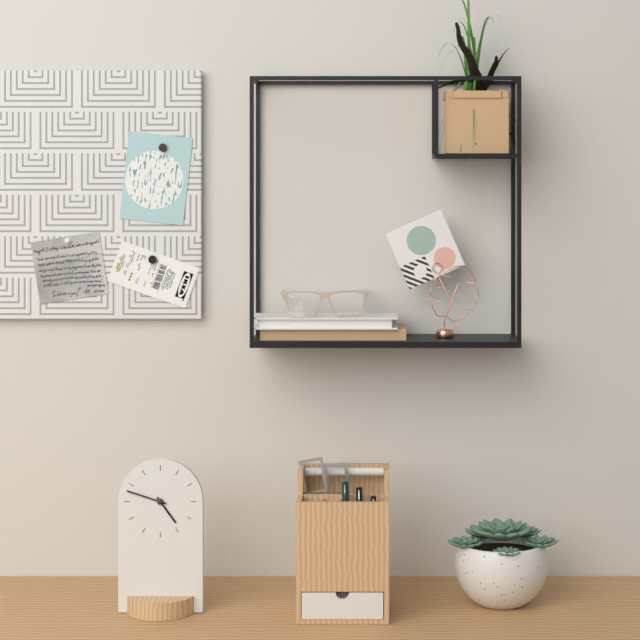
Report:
4h48
